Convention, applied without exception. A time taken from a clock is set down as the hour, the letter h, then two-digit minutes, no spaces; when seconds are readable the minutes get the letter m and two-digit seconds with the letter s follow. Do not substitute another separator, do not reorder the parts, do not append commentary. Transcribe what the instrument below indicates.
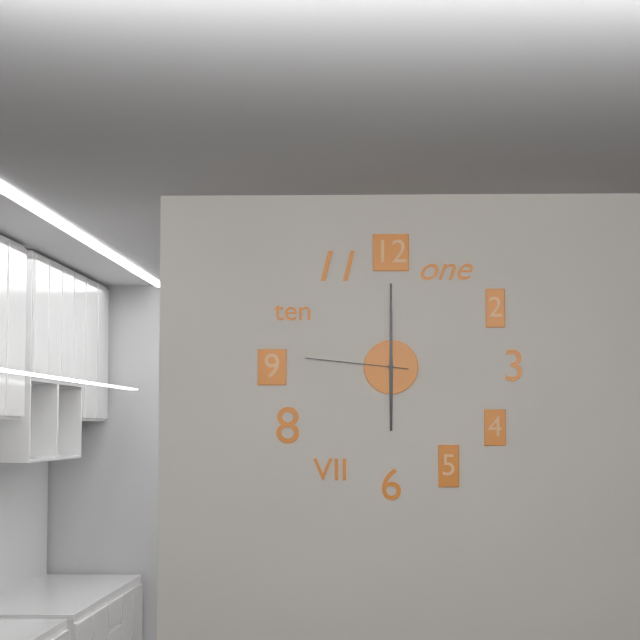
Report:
6h00m46s
